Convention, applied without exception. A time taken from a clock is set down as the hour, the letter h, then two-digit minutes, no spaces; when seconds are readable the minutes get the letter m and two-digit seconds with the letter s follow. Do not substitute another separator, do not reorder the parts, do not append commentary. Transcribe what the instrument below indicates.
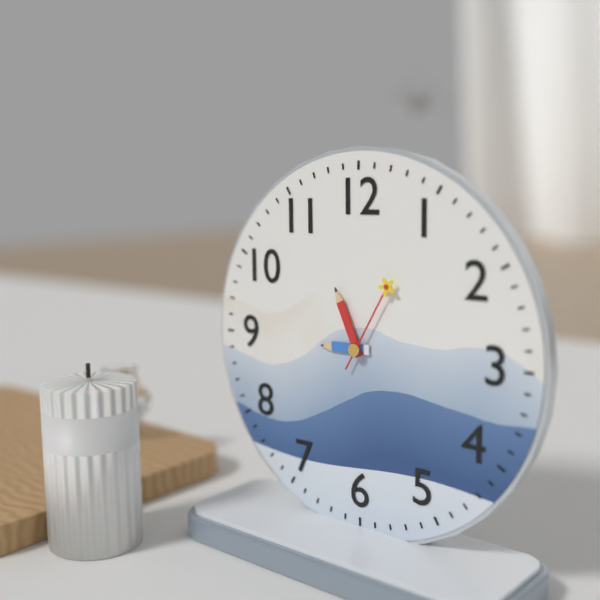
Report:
8h56m05s
